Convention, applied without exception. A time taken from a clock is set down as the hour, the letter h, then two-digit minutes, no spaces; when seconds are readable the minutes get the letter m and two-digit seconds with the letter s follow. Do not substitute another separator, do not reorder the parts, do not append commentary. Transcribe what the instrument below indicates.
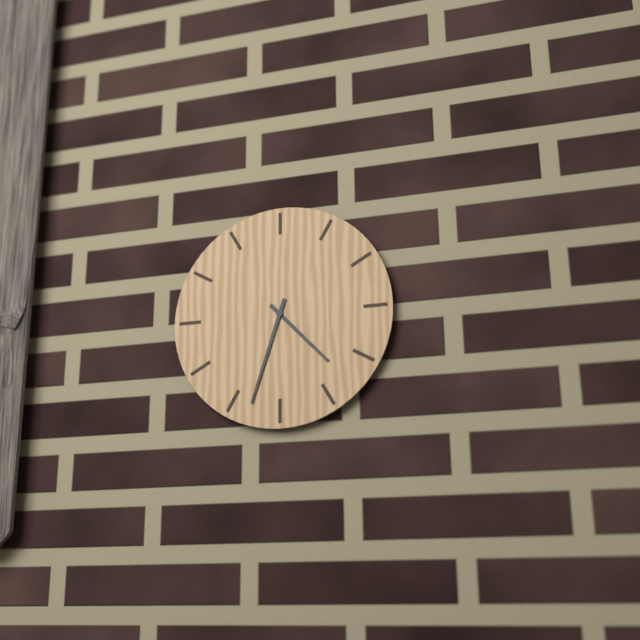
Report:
4h33
